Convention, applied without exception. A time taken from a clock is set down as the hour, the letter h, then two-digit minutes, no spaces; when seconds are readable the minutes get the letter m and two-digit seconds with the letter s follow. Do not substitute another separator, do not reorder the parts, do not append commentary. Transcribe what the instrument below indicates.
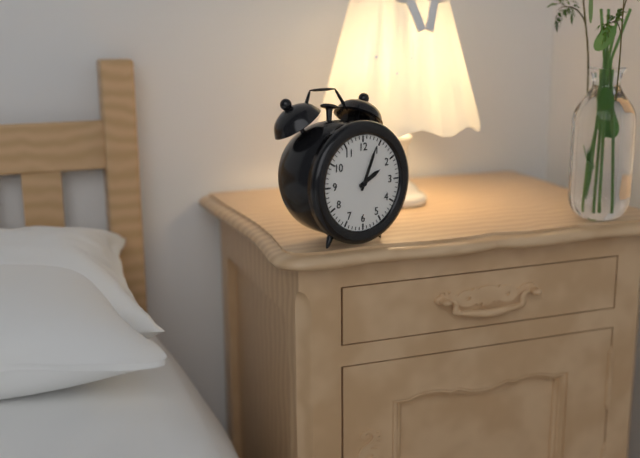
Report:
2h04
